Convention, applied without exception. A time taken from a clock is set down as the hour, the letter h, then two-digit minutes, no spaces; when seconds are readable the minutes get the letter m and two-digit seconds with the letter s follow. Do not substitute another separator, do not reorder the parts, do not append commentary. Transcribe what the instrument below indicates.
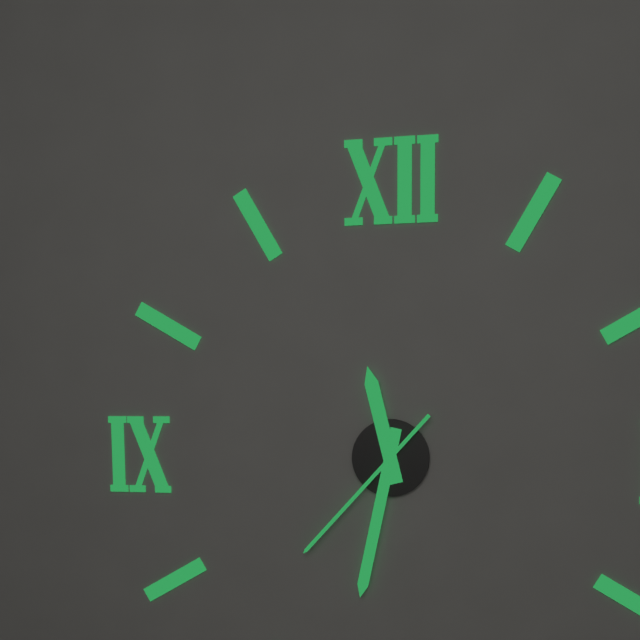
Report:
11h32m37s
